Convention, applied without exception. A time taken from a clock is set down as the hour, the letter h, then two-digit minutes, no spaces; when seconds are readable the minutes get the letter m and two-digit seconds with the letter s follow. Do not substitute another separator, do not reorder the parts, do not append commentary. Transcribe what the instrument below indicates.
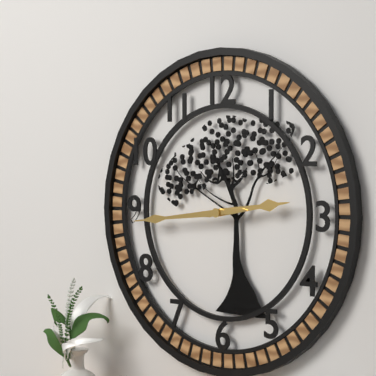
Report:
2h44
